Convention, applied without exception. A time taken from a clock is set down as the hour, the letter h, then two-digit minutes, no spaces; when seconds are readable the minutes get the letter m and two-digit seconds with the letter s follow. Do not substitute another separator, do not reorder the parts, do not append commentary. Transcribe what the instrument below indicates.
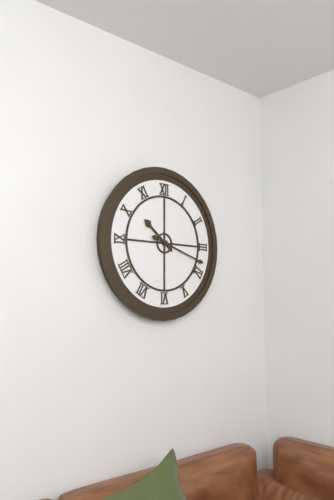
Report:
10h18
